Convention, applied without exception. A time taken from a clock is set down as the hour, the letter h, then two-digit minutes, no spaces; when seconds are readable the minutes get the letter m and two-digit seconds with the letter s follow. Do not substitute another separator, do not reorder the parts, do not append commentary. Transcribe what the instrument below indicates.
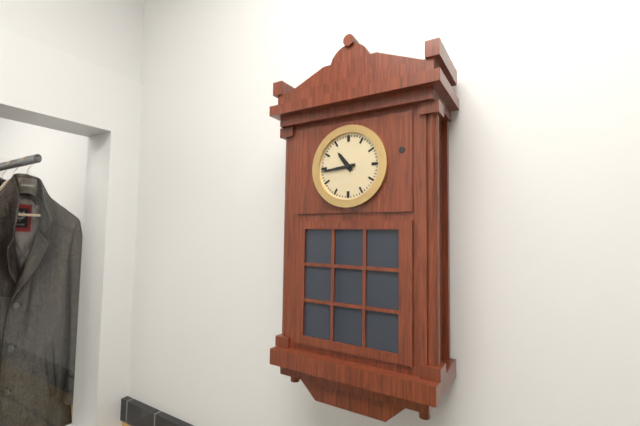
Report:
10h44
